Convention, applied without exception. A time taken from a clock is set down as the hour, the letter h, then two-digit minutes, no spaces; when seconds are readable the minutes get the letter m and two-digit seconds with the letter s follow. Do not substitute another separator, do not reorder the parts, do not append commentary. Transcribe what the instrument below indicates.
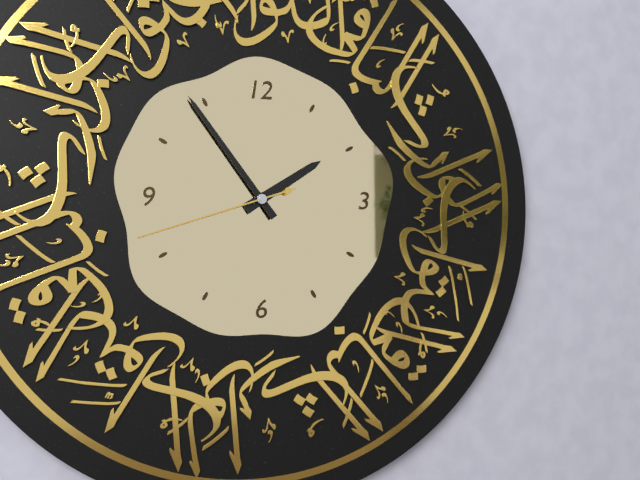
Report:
1h54m42s
